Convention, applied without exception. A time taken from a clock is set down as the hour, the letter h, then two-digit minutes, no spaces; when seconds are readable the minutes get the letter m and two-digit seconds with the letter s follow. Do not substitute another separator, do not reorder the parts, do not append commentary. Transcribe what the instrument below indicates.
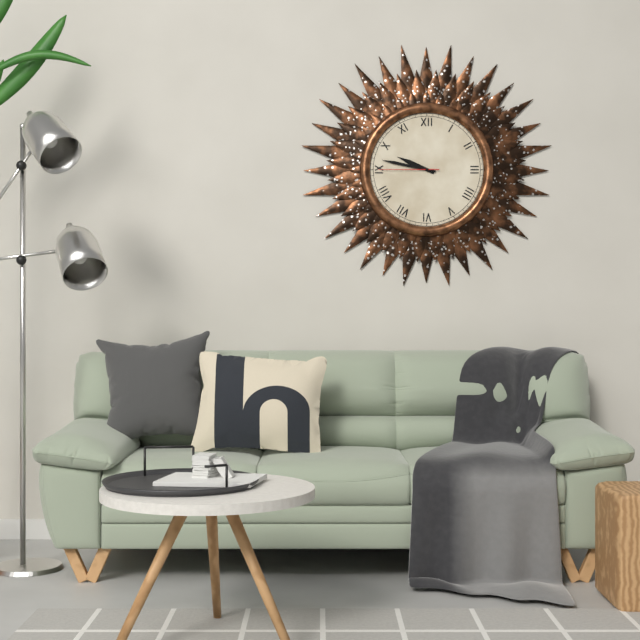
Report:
9h47m45s
